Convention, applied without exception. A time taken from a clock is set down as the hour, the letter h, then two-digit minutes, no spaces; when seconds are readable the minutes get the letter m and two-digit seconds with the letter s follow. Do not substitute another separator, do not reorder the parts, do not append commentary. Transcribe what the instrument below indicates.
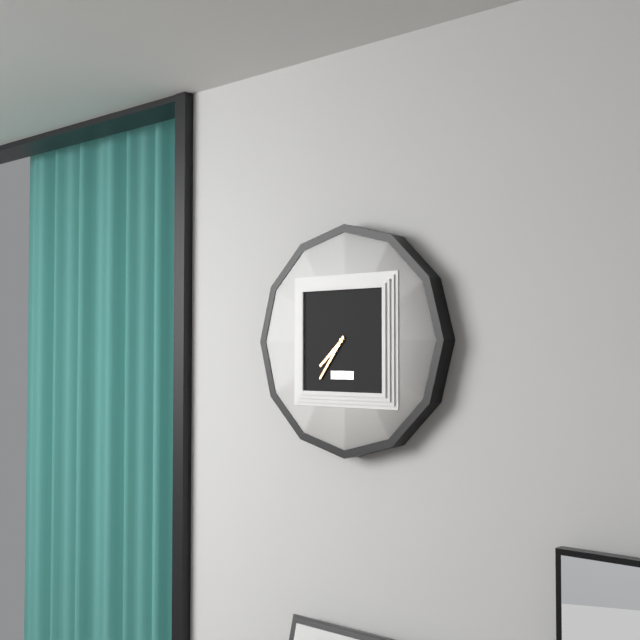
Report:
7h36
